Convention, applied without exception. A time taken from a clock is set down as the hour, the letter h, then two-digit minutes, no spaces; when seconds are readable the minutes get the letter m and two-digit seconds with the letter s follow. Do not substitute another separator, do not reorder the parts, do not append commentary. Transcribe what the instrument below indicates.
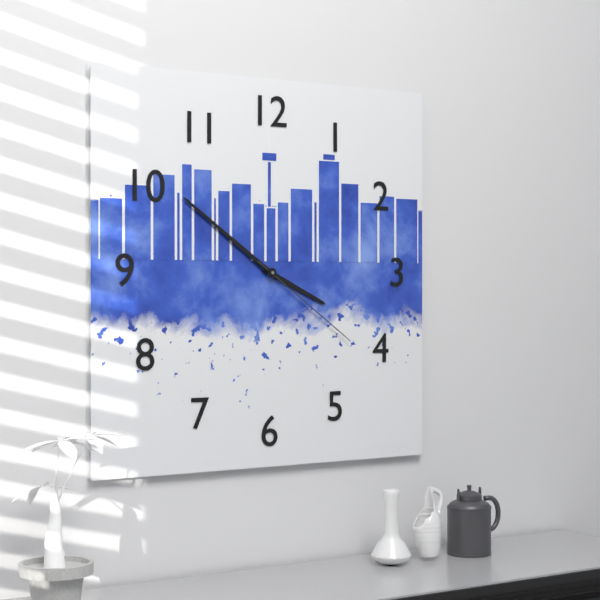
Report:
3h51m21s
